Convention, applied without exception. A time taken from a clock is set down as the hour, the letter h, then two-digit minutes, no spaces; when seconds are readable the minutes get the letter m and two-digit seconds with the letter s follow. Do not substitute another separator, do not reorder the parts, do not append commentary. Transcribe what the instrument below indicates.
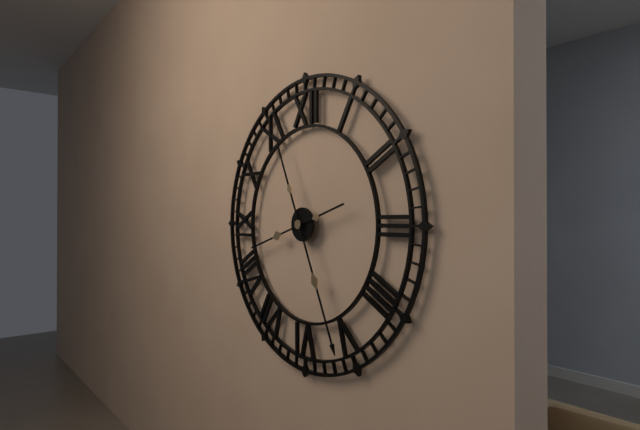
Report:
8h26
